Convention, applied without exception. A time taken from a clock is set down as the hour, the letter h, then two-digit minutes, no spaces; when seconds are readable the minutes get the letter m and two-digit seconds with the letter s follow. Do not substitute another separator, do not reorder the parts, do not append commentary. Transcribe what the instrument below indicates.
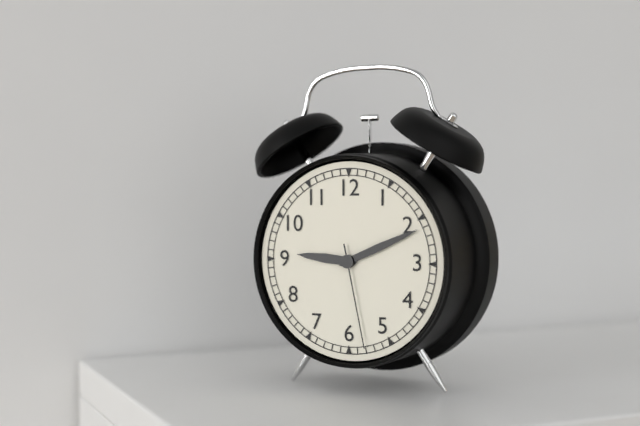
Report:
9h11m28s
